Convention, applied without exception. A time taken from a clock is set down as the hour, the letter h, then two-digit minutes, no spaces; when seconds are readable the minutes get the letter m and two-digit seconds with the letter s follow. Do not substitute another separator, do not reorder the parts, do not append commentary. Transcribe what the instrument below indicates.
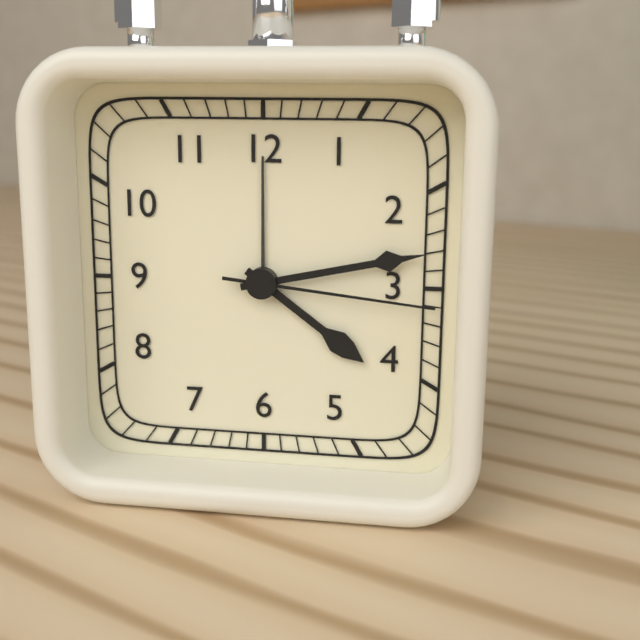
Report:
4h13m16s
